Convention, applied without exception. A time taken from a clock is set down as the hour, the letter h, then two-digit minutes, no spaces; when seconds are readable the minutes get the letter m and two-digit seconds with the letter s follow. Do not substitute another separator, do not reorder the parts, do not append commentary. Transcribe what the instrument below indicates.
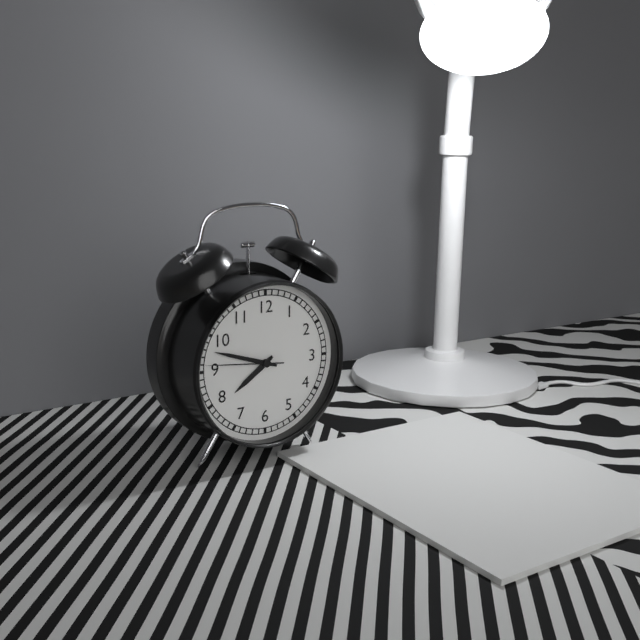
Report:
7h48m46s
